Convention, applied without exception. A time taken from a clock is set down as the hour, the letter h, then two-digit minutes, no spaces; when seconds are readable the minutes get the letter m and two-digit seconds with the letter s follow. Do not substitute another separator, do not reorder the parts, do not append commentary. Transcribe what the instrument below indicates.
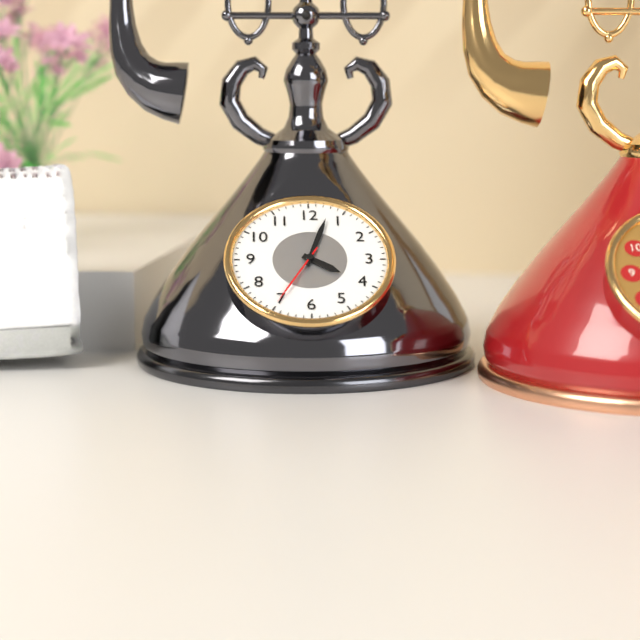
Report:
4h03m35s
